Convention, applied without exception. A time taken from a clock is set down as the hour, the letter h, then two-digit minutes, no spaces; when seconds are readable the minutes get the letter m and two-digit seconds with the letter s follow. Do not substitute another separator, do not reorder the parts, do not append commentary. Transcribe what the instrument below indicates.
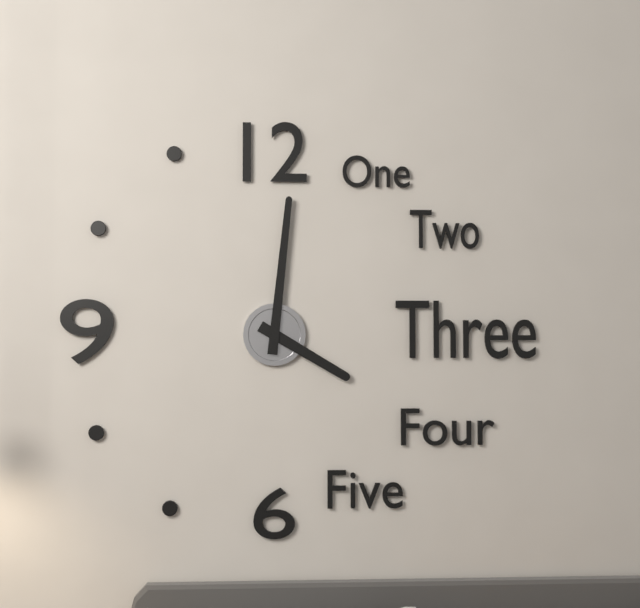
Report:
4h01
